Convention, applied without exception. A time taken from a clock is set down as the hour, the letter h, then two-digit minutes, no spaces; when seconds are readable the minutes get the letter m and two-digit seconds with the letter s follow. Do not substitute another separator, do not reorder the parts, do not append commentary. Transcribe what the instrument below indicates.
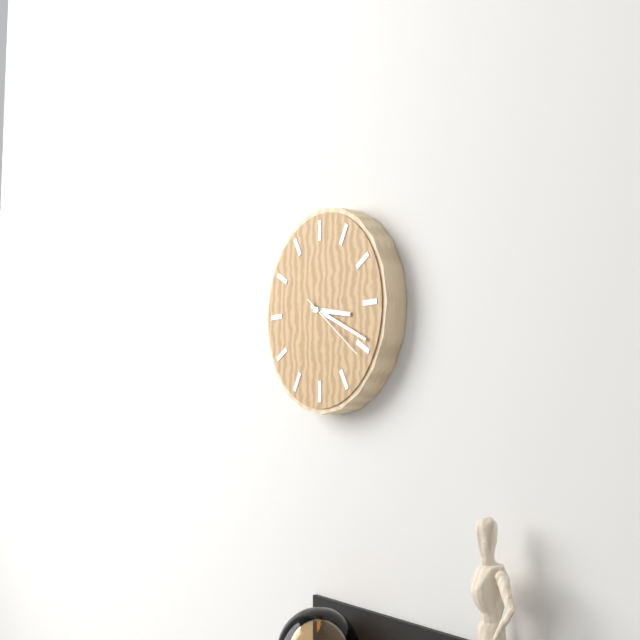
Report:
3h19m21s
